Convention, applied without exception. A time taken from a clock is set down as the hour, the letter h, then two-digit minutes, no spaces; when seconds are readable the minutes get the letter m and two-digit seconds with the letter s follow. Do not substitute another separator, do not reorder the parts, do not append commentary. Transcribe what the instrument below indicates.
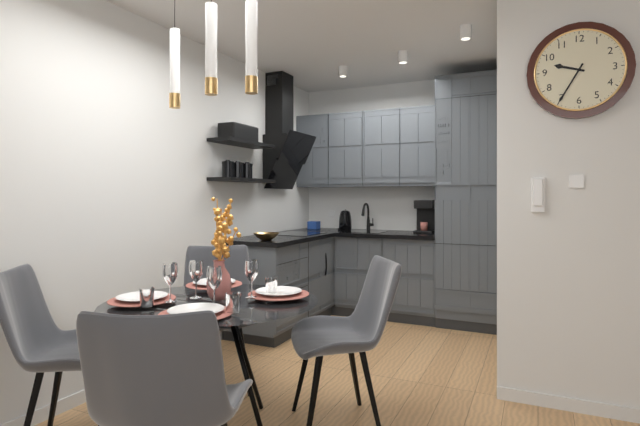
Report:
9h35
